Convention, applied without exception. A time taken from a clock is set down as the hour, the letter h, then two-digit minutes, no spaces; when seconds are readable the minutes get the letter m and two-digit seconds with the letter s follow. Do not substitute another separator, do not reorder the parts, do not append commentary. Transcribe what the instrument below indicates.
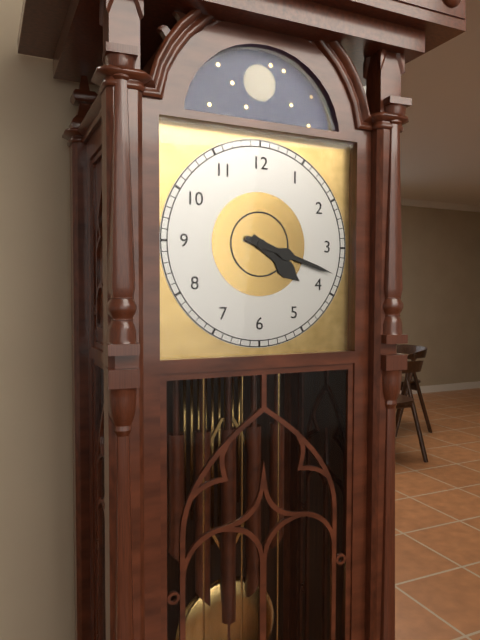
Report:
4h18
